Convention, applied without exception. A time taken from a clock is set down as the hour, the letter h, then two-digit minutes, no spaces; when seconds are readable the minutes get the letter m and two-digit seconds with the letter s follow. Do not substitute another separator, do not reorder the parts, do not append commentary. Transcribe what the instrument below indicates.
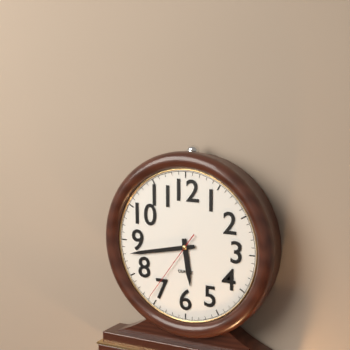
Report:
5h43m36s
